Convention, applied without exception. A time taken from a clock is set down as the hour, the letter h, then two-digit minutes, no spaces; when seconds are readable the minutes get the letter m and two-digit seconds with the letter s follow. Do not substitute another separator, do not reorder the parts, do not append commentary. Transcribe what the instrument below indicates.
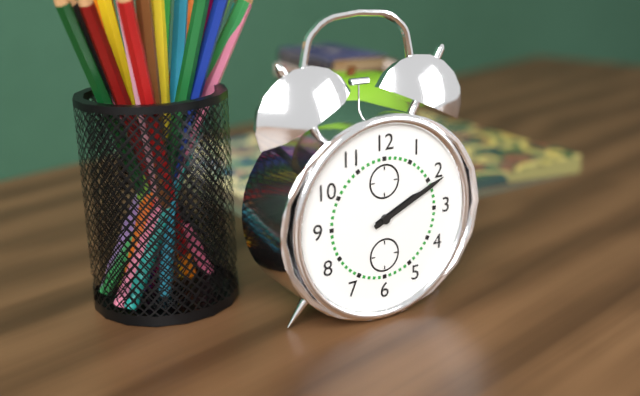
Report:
2h11
